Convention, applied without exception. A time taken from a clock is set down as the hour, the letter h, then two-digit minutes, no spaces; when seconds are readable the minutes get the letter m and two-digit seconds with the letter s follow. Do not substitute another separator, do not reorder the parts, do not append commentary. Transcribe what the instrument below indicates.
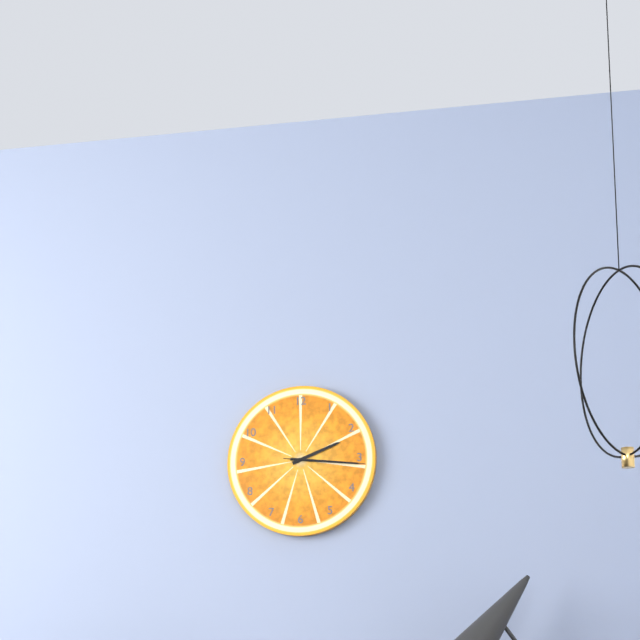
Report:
2h16m16s
